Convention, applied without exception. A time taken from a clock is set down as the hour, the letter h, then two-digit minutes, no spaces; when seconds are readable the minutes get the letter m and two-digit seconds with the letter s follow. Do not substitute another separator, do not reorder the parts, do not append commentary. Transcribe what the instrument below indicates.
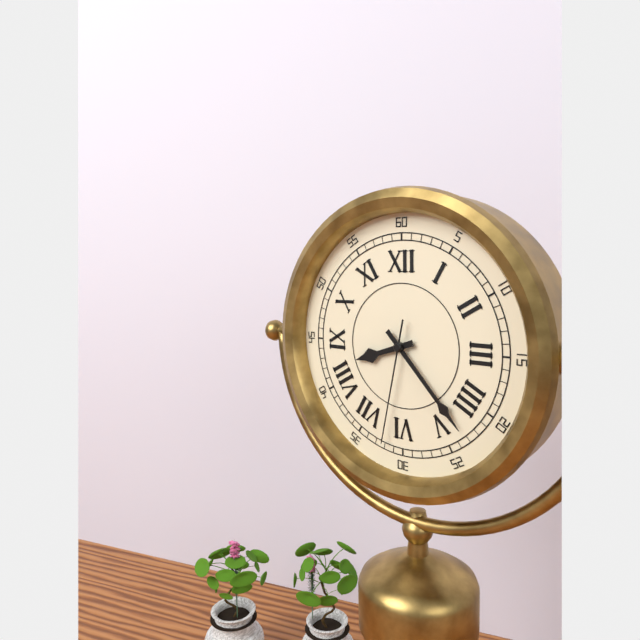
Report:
8h23m32s
